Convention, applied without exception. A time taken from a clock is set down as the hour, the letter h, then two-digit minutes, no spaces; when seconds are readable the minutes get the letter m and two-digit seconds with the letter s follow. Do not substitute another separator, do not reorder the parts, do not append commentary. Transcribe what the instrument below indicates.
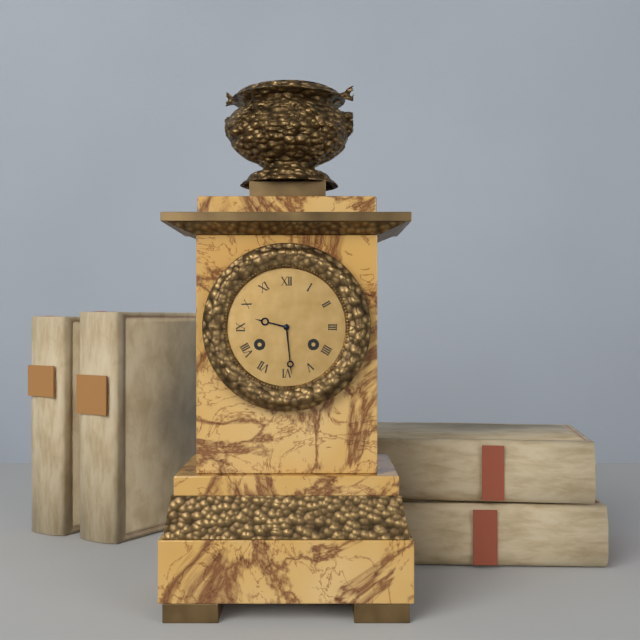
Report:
9h29
